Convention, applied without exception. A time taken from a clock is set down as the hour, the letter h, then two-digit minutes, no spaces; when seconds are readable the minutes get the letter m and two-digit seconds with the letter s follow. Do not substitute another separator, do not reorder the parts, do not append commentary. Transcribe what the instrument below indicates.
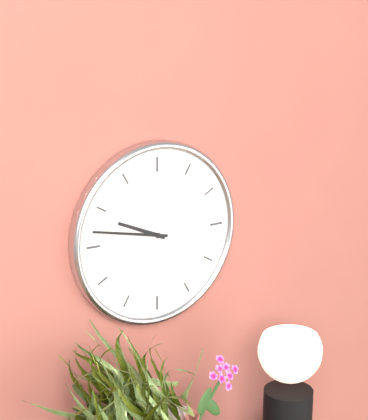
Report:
9h47
